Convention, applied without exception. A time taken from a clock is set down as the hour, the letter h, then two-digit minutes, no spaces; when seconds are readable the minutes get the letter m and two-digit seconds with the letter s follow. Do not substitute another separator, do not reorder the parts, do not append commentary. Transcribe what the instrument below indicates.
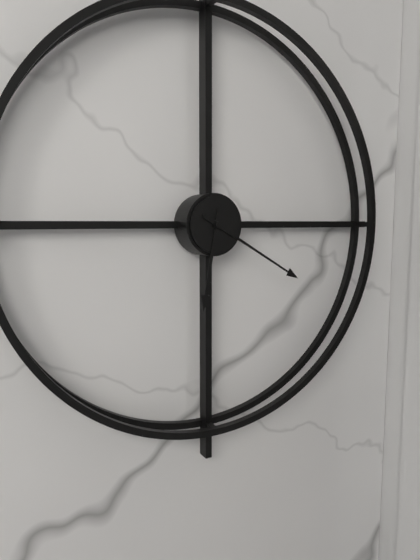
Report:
6h20
